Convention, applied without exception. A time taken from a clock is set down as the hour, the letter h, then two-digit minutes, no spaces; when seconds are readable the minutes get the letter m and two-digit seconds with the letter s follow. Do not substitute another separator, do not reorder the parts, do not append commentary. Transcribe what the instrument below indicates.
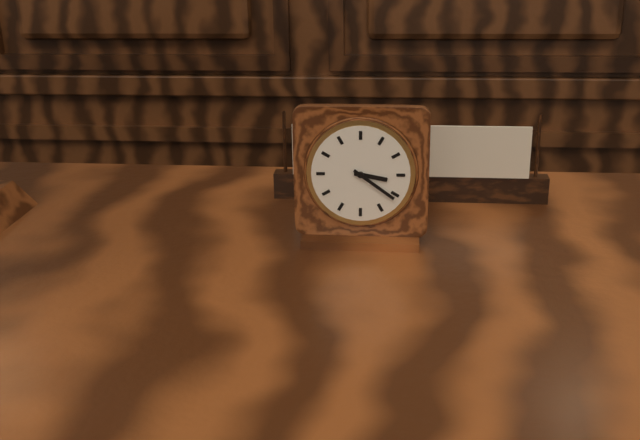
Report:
3h21
